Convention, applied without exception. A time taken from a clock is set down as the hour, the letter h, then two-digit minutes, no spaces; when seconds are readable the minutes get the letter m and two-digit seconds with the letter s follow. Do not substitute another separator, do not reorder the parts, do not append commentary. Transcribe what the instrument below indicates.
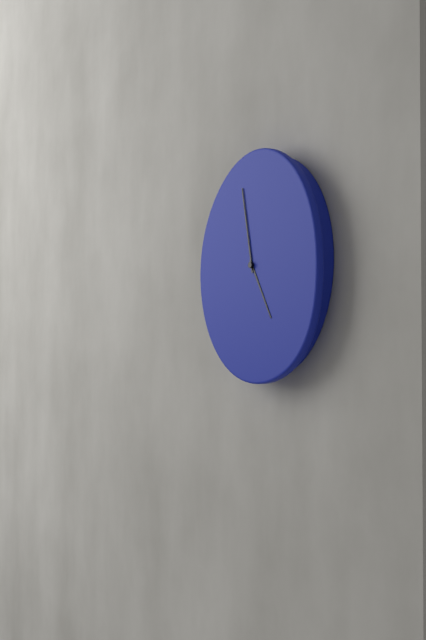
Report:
4h58
